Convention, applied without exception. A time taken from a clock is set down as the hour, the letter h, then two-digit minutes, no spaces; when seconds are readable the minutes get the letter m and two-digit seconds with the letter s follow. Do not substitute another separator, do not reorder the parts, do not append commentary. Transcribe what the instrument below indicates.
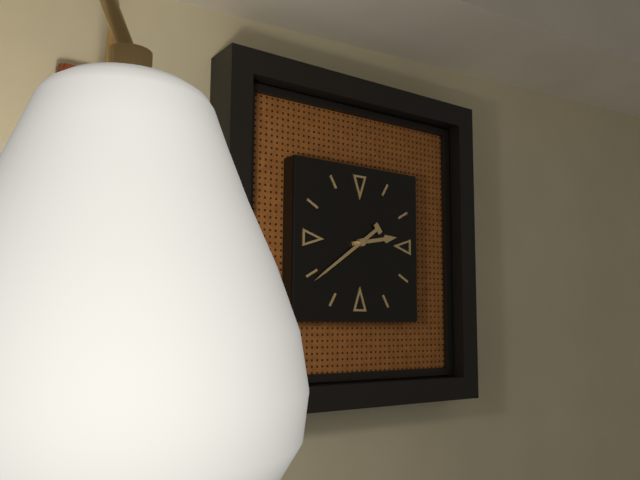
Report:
2h39
